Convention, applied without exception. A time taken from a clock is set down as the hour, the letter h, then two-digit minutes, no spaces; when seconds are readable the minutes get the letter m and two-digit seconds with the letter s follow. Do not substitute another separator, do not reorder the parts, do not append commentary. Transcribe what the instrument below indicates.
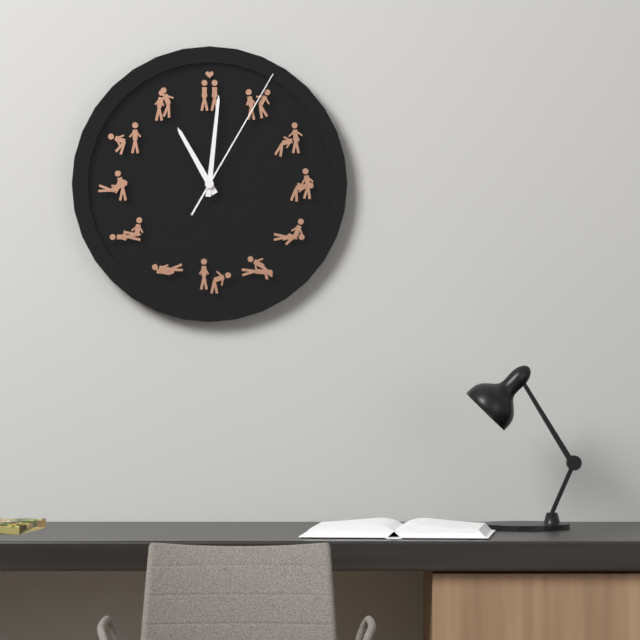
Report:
11h01m05s
